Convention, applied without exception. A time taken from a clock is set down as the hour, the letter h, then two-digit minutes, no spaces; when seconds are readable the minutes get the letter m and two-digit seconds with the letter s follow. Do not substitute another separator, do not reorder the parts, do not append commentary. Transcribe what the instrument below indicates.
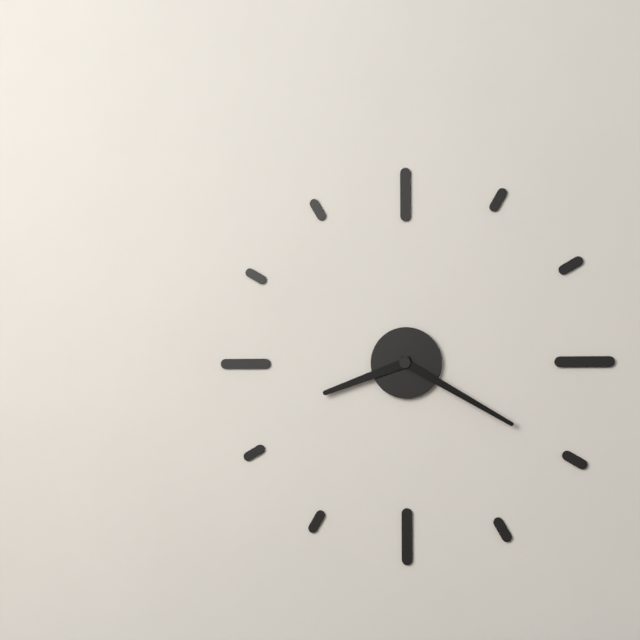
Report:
8h20
